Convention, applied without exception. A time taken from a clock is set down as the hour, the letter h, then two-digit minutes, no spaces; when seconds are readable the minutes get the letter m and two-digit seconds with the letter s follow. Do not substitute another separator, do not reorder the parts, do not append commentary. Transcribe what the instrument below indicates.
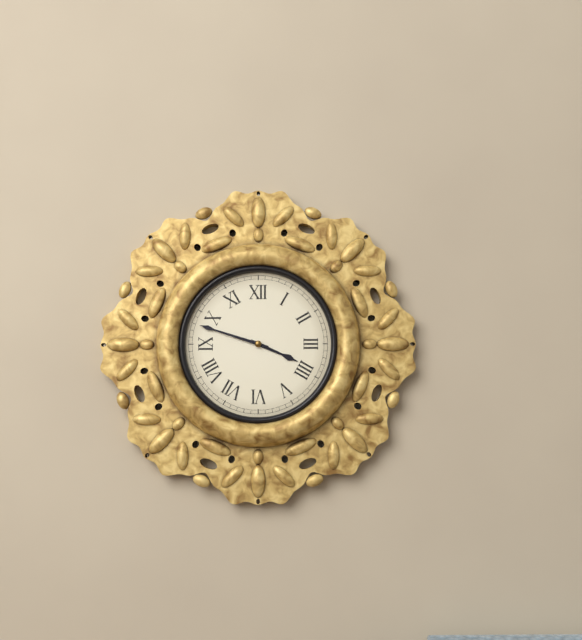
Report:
3h48
